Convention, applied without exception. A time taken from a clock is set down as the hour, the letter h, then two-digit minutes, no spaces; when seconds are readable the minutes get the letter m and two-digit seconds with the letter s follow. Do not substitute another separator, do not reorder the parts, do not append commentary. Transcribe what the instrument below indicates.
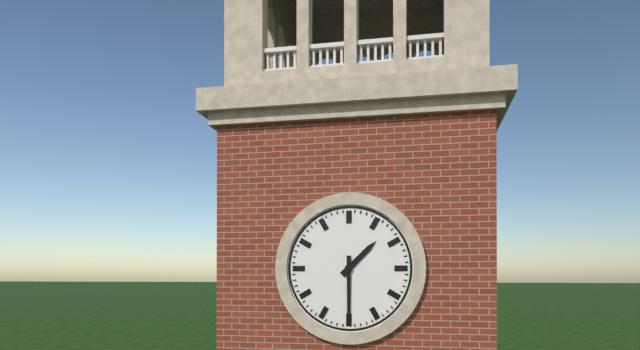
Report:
1h30
